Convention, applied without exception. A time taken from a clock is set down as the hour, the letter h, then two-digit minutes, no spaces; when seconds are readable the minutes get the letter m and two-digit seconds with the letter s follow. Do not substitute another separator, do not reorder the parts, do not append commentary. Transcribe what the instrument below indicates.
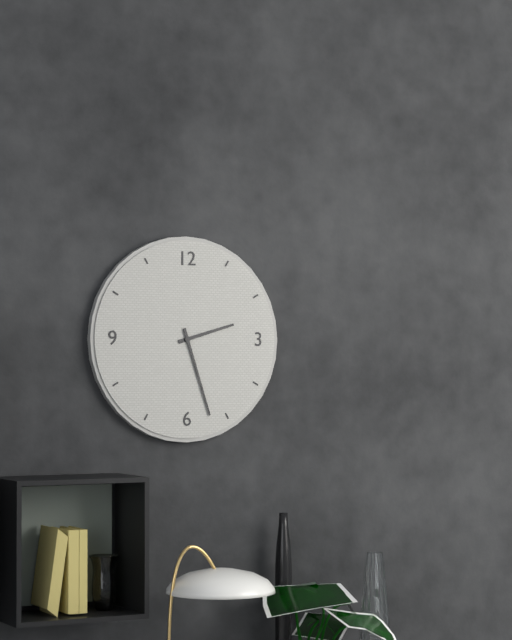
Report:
2h27
